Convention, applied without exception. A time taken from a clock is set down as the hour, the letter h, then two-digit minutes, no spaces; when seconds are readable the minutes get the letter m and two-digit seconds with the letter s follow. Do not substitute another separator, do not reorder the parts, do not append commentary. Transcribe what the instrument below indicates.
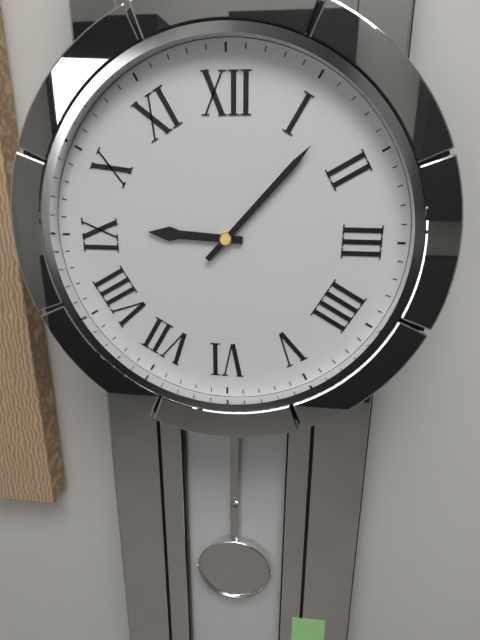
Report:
9h07
